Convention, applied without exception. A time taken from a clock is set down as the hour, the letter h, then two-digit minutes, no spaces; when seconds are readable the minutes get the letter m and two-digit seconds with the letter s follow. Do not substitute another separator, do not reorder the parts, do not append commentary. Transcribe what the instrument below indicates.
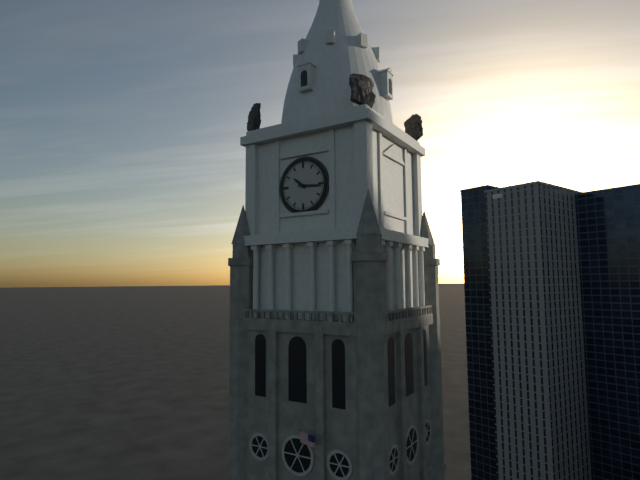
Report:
10h16
